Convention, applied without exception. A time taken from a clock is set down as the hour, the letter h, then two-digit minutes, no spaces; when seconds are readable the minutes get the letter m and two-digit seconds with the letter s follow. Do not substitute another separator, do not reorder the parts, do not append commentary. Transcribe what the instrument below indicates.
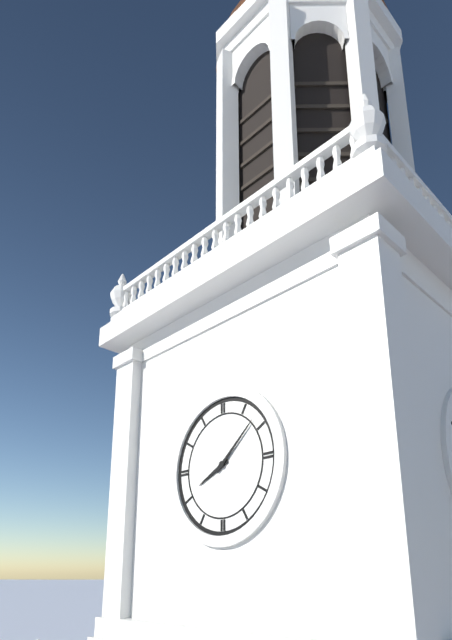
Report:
8h08
